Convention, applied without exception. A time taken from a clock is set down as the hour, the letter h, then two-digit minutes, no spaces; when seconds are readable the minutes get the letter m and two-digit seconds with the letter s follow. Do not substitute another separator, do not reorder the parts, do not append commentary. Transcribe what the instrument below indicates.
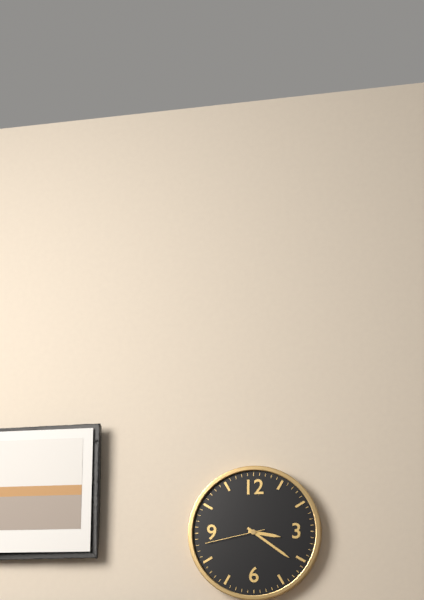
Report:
3h21m43s
